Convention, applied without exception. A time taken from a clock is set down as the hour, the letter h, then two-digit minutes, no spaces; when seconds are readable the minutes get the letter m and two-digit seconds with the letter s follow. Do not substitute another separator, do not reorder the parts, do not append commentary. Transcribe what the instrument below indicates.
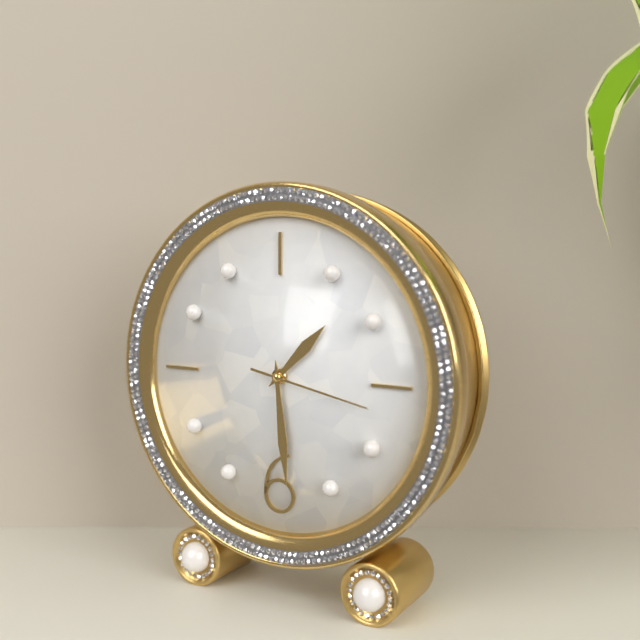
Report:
1h29m17s
